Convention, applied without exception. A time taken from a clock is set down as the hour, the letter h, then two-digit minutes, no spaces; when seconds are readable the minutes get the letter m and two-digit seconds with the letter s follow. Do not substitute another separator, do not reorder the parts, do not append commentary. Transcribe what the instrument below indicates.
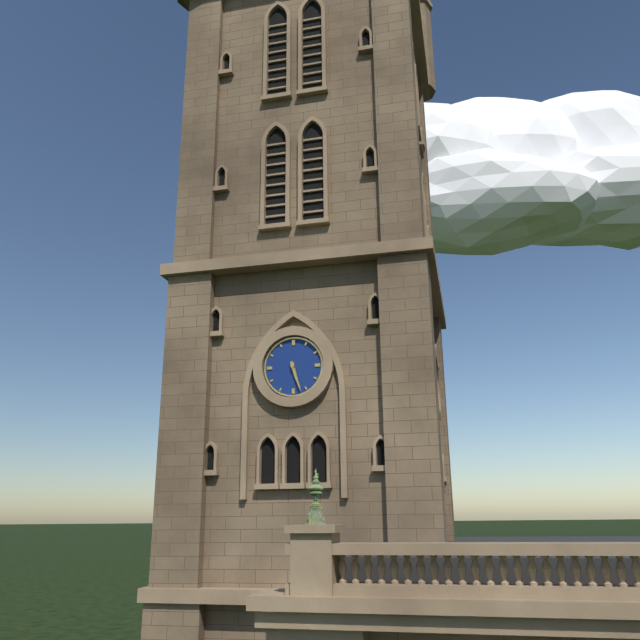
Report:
5h27
